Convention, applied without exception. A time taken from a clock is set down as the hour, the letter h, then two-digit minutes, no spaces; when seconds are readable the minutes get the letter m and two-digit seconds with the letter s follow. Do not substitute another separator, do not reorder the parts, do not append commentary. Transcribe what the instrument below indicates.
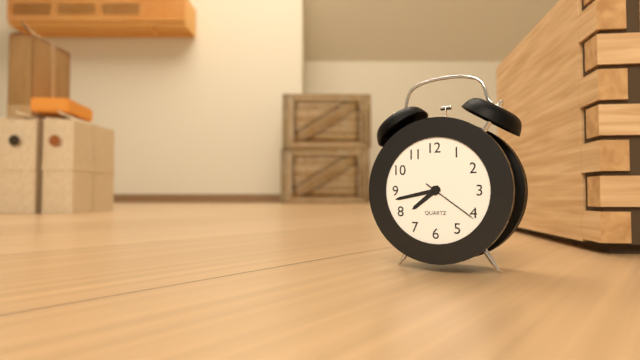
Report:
7h43m21s
